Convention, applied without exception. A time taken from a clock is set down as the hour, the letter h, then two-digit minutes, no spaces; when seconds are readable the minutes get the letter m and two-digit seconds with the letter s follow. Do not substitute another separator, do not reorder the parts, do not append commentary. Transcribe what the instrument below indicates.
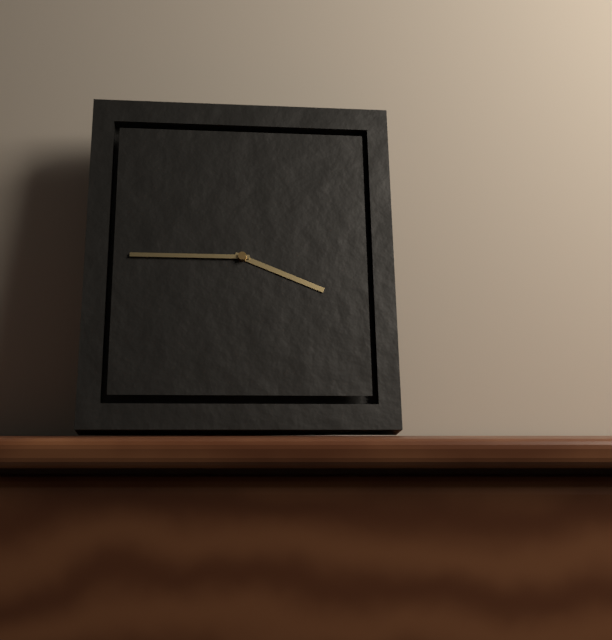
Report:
3h45
